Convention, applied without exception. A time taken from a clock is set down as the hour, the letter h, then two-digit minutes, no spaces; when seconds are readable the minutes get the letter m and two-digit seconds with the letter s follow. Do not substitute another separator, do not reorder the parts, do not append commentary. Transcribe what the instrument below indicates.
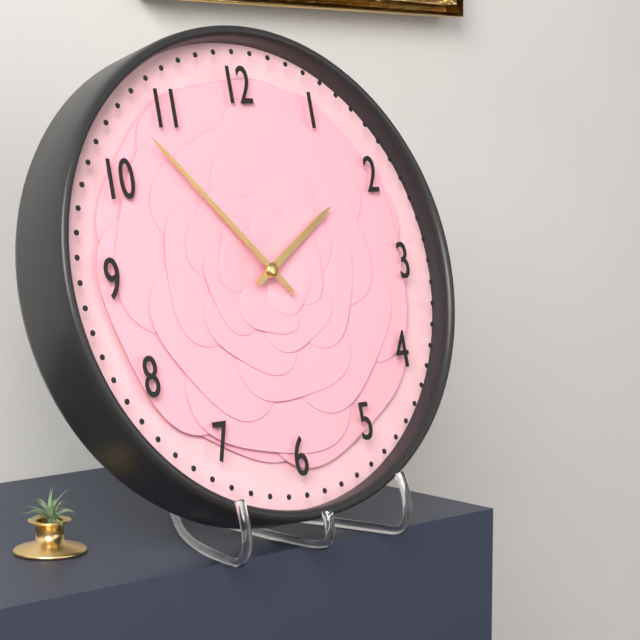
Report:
1h53
